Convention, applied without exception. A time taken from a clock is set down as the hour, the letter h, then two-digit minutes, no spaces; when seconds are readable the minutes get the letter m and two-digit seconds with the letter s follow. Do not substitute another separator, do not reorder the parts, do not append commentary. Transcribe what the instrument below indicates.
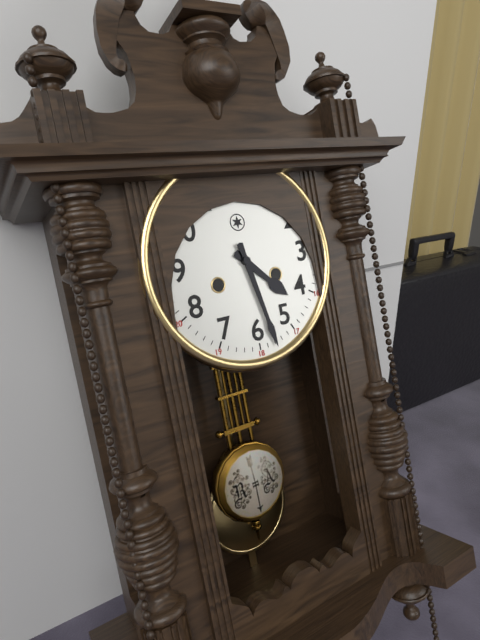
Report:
4h28
